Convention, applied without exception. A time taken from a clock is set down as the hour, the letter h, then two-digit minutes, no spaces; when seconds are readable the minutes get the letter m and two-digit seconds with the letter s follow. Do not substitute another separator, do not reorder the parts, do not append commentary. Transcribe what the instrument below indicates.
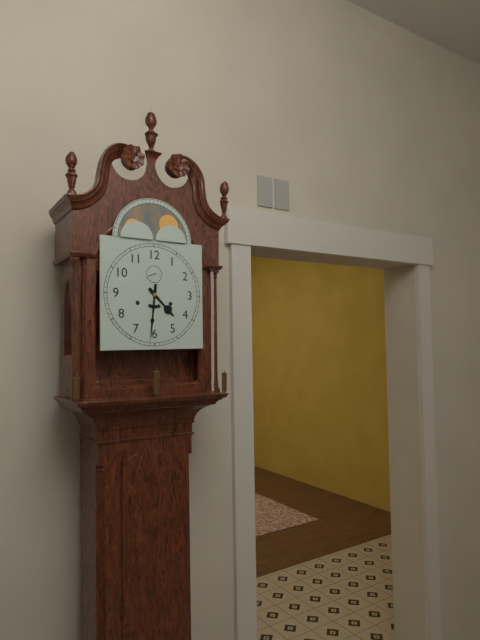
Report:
4h31
